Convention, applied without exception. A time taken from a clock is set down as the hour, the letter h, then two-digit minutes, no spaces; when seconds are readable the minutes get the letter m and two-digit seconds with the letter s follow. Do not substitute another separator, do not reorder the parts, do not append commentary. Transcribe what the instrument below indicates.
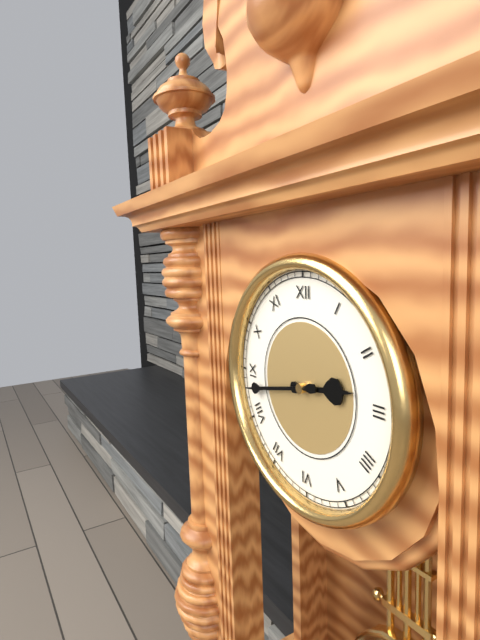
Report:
2h43
